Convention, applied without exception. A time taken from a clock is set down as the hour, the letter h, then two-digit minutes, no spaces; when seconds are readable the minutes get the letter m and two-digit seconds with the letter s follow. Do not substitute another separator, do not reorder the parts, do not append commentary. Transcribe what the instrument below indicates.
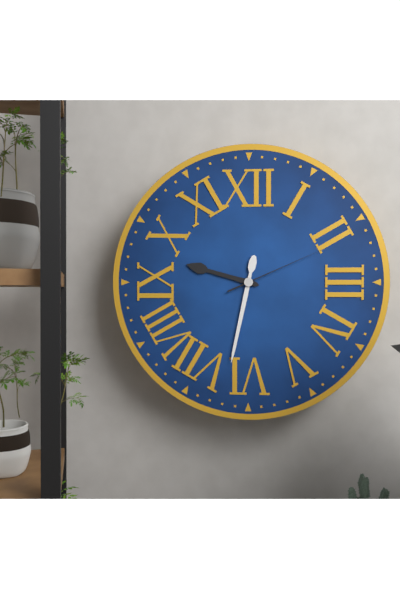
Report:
9h32m11s
